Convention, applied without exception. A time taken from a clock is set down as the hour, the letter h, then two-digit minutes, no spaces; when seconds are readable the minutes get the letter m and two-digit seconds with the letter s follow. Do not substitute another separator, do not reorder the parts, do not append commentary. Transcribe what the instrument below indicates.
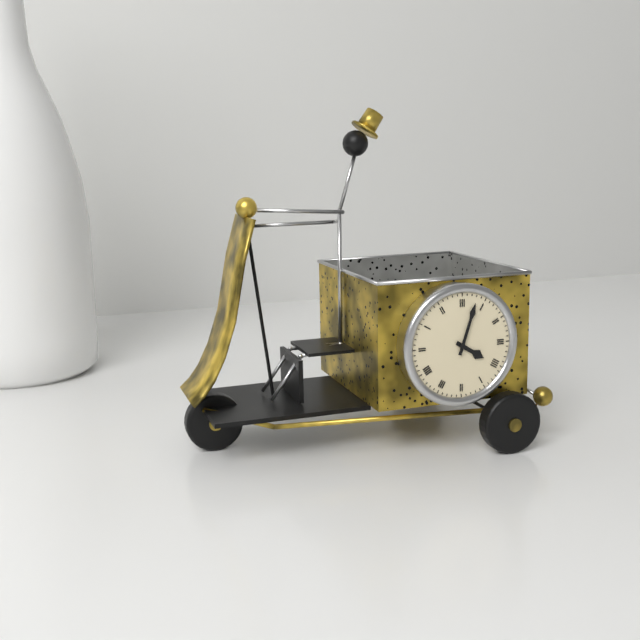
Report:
4h03
